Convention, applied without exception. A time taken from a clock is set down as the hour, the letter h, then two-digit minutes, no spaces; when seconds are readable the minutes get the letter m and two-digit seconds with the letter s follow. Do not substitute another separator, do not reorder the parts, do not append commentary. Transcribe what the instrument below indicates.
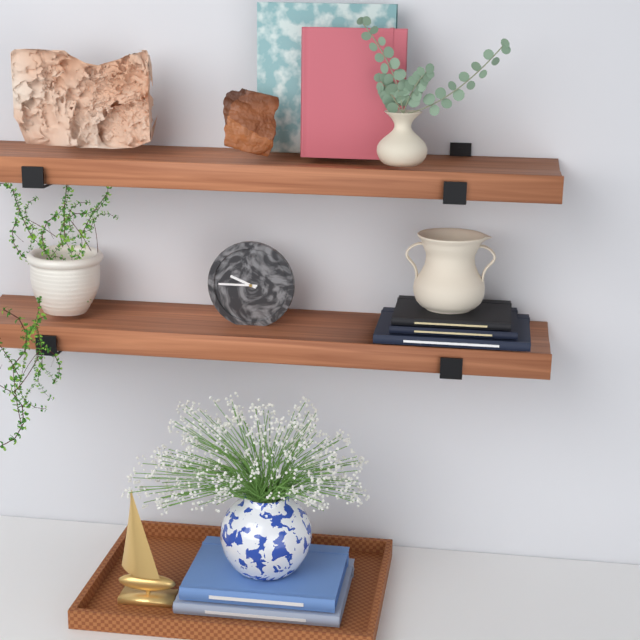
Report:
9h45
